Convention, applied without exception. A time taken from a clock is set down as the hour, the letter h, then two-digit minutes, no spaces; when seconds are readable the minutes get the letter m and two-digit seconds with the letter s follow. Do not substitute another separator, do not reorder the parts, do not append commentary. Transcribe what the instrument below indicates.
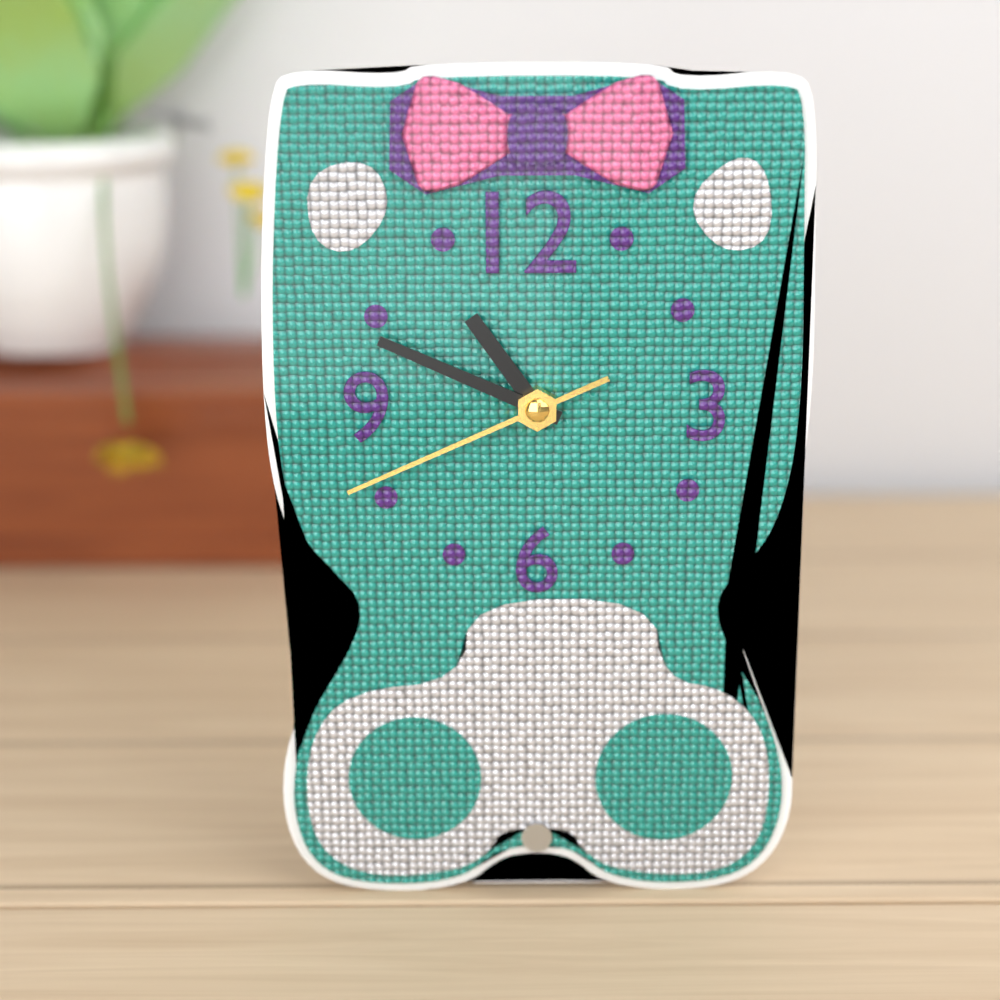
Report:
10h49m41s
